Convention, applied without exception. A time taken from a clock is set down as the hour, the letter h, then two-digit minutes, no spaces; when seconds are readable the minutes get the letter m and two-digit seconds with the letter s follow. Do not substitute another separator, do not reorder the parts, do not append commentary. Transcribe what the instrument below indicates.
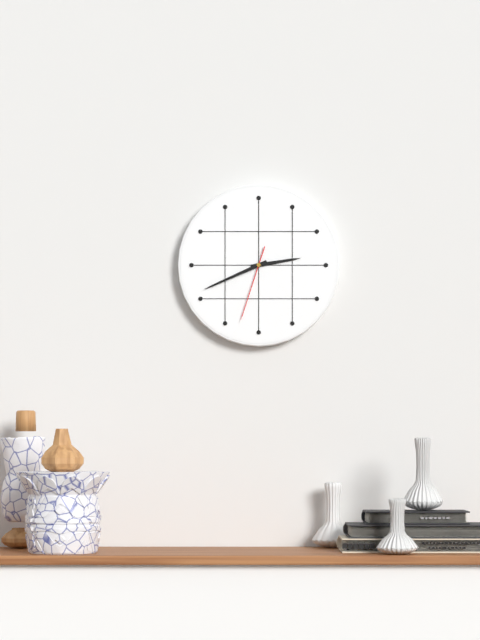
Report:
2h41m33s
